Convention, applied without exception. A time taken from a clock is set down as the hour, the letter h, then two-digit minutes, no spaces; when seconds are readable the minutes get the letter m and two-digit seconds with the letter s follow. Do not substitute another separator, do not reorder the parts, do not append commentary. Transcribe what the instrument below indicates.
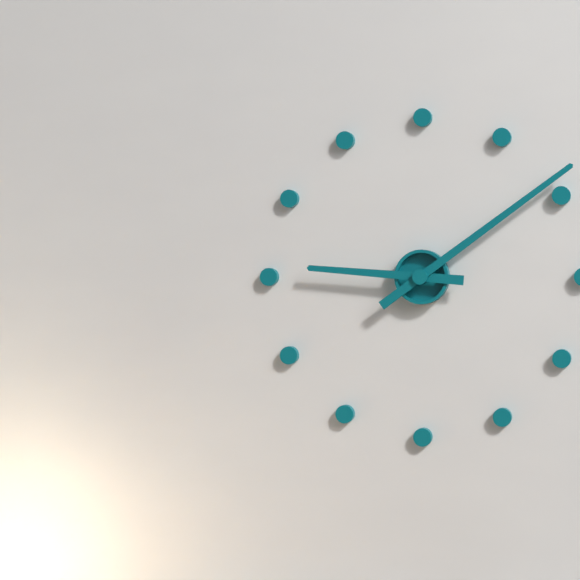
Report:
9h09
